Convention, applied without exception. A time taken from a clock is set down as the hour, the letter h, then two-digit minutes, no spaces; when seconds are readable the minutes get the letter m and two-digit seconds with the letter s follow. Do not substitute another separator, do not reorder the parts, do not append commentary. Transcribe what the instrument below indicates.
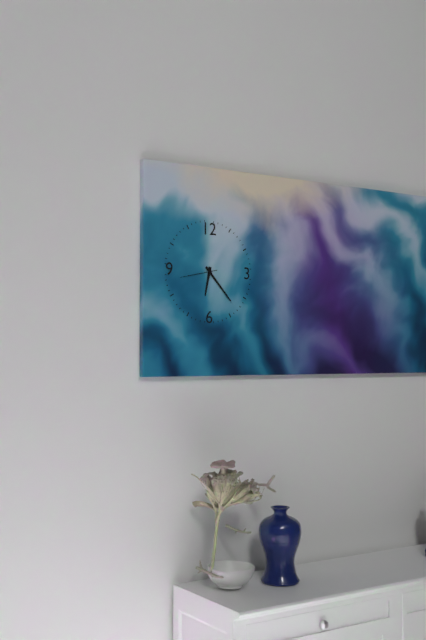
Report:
6h23
